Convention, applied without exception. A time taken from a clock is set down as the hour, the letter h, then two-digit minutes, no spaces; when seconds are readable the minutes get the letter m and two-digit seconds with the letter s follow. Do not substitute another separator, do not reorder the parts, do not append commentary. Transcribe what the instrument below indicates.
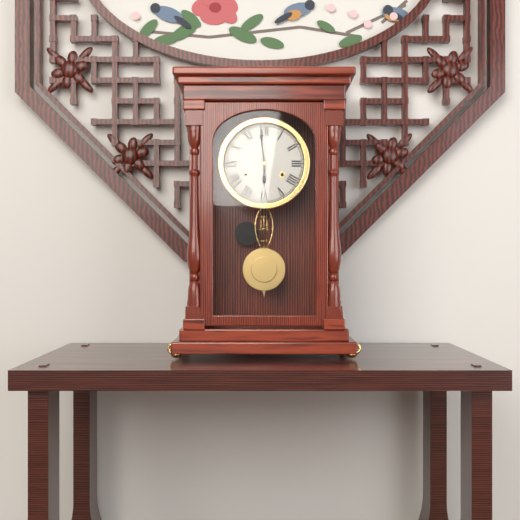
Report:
5h59
